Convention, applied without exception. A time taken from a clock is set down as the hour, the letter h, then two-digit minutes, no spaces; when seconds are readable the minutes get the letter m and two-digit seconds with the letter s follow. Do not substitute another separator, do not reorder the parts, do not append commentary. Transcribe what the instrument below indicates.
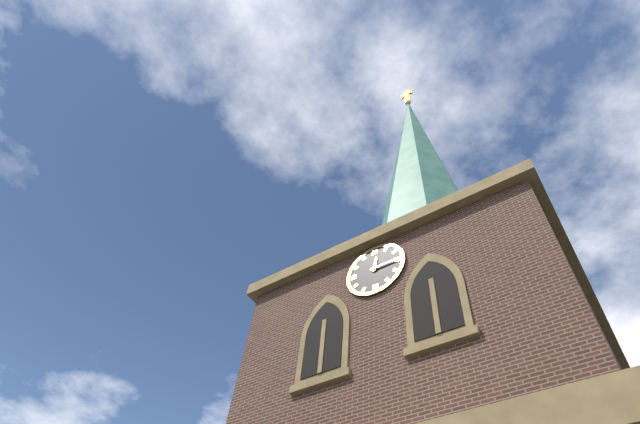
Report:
12h15
